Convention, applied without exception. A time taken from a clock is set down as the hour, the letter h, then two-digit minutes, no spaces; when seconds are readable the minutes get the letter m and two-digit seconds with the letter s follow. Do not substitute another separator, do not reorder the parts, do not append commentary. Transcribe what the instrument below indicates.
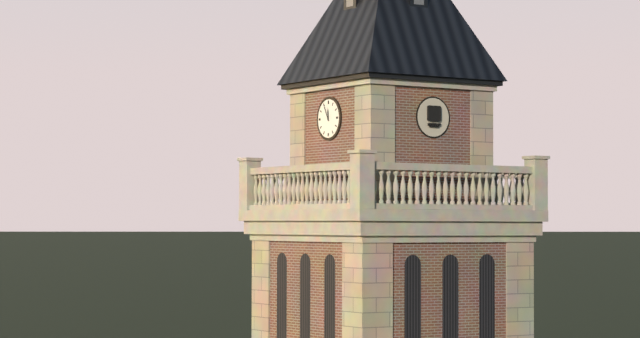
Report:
11h55
